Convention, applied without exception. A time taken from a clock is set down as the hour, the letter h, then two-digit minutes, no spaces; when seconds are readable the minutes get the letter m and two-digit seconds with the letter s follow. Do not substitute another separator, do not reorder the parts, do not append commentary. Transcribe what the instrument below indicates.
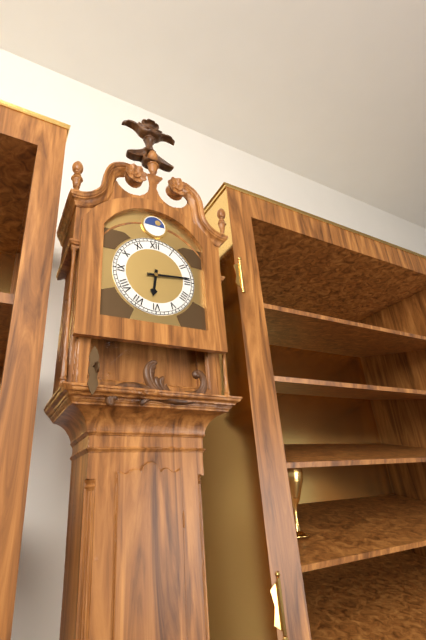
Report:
6h14
